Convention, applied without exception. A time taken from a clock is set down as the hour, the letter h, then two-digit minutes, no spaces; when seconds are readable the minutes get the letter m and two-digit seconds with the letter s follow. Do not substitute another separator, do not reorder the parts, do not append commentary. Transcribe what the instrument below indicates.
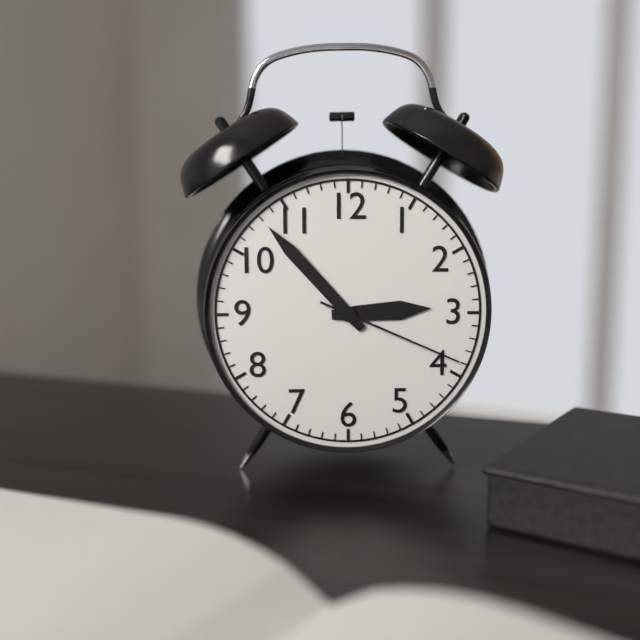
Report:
2h53m19s
